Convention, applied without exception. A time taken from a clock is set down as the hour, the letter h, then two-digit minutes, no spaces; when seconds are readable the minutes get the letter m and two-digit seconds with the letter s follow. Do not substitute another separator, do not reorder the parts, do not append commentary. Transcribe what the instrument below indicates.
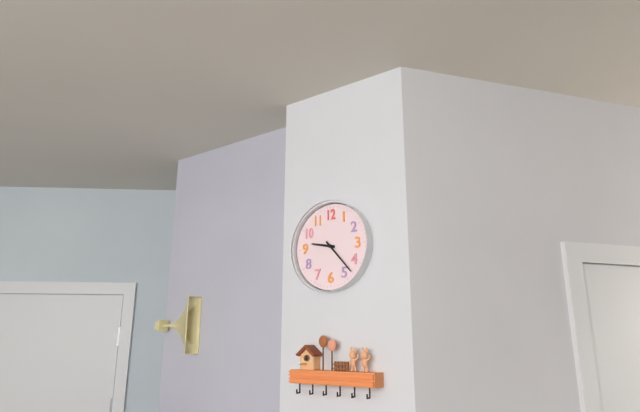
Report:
9h23
